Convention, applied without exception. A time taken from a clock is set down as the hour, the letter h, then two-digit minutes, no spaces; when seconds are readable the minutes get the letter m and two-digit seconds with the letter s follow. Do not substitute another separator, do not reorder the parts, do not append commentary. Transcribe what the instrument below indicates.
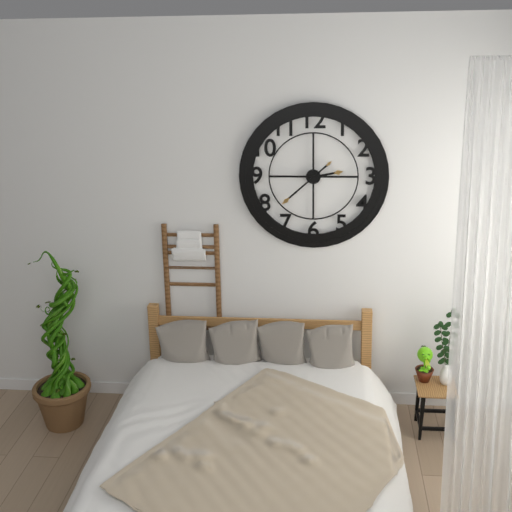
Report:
2h38
